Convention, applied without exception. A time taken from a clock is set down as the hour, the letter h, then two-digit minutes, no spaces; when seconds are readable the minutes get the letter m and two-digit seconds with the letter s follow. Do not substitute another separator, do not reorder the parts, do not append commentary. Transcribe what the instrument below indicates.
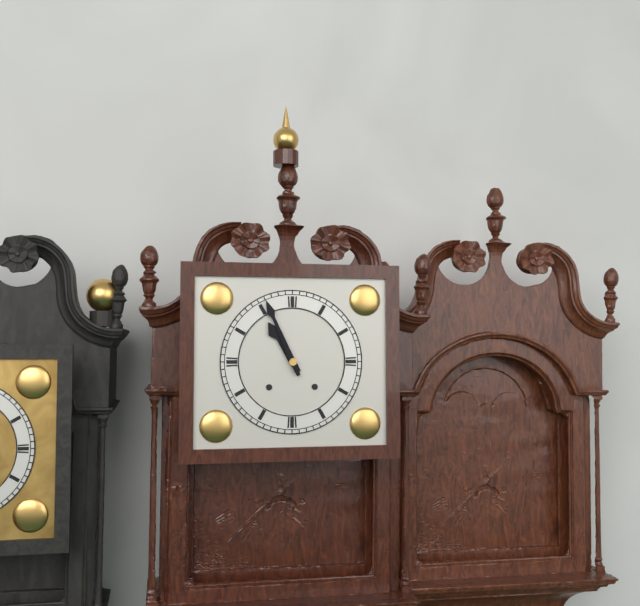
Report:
10h56
